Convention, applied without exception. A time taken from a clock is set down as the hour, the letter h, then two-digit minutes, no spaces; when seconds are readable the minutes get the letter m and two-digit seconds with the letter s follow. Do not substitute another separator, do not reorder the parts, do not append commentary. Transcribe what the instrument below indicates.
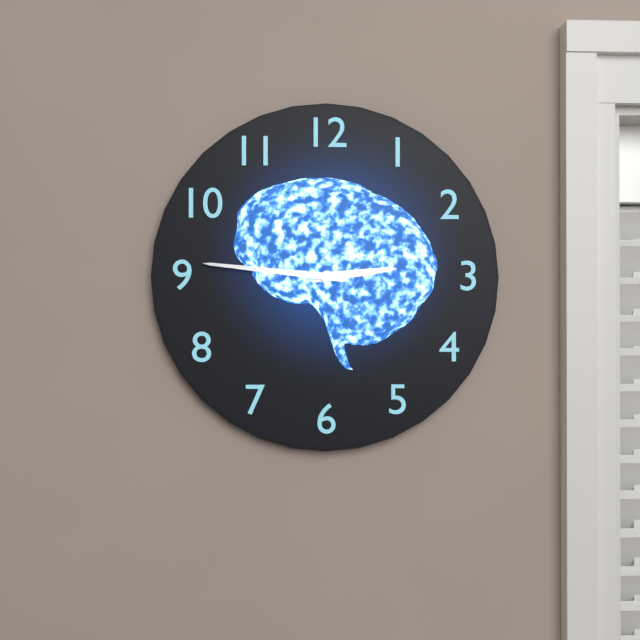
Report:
2h46
